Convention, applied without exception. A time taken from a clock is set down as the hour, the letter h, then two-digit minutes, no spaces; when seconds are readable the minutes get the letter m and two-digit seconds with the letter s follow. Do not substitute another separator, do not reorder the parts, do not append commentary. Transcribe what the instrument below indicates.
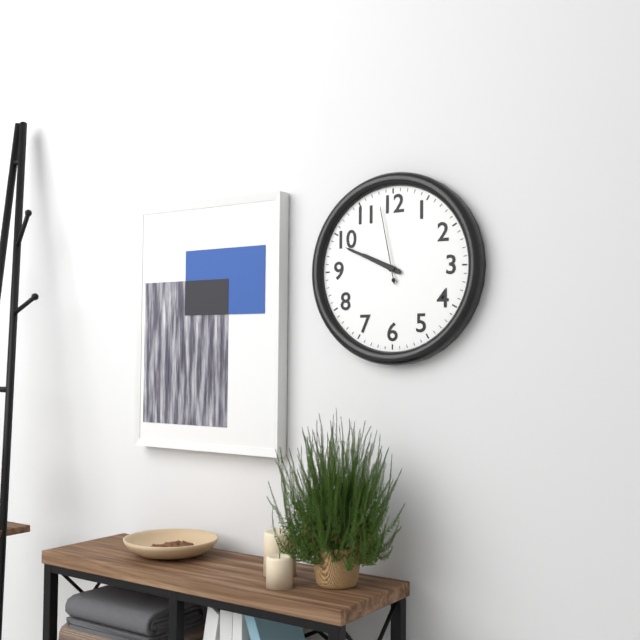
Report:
9h49m58s
